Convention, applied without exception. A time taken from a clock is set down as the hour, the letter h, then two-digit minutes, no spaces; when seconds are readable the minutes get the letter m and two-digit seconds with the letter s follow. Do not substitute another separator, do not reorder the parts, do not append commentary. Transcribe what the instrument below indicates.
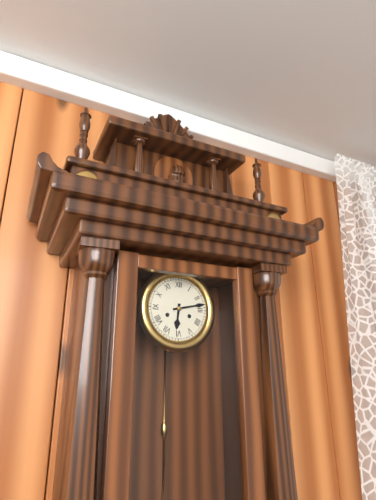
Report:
6h13
